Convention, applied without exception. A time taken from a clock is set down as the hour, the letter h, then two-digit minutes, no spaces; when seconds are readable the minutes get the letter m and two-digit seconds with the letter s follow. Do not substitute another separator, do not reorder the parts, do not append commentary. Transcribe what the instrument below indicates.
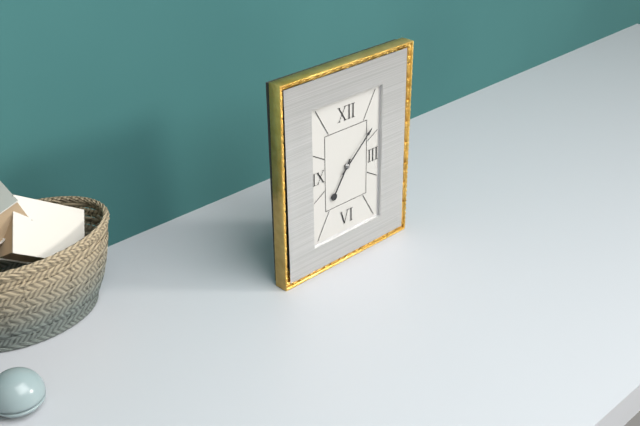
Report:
7h08
